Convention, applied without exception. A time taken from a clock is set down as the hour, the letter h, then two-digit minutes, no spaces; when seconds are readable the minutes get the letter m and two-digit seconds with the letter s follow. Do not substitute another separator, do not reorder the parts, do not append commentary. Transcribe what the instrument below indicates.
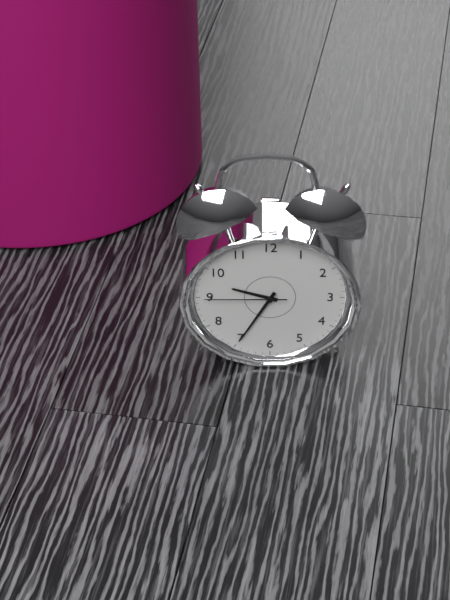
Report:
9h35m45s
